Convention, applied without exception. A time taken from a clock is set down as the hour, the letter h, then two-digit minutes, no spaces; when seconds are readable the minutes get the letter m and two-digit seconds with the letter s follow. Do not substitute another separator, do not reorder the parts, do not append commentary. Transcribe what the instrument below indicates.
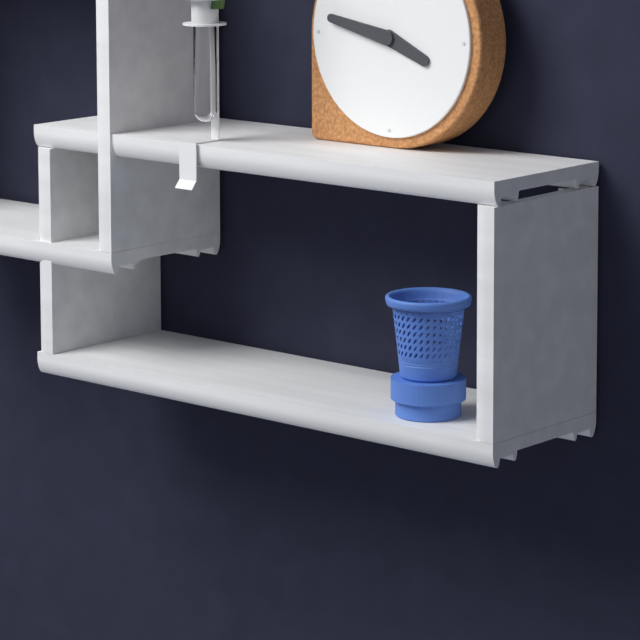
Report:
3h47
